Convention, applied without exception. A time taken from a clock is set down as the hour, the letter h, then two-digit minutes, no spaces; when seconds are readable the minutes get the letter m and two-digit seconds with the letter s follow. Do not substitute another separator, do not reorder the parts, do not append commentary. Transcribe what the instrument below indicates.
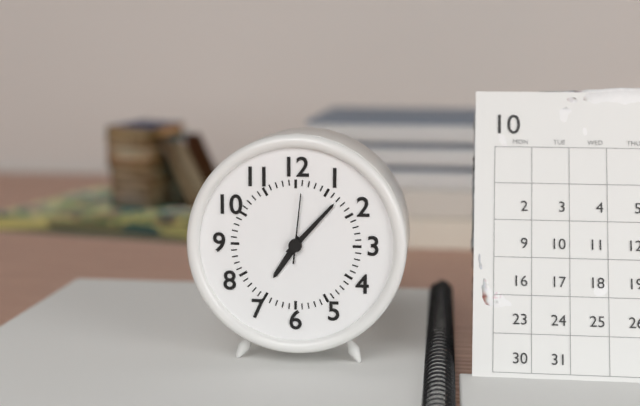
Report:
7h07m01s
